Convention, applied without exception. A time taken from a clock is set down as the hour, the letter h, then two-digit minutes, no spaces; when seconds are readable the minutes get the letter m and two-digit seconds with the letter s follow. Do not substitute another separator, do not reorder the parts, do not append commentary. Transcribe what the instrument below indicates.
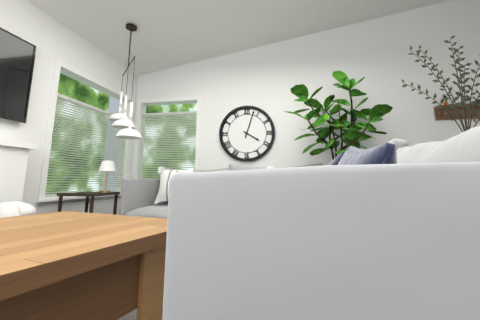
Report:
4h03
